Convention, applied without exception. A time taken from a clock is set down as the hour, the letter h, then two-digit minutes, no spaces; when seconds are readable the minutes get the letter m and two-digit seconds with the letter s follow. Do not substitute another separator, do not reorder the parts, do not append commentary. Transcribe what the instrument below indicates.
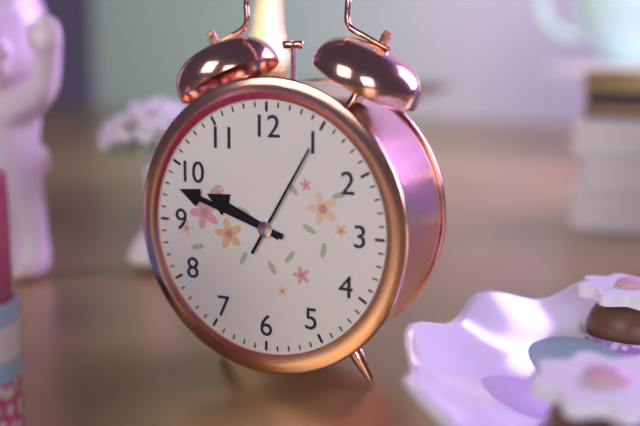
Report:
9h48m05s
